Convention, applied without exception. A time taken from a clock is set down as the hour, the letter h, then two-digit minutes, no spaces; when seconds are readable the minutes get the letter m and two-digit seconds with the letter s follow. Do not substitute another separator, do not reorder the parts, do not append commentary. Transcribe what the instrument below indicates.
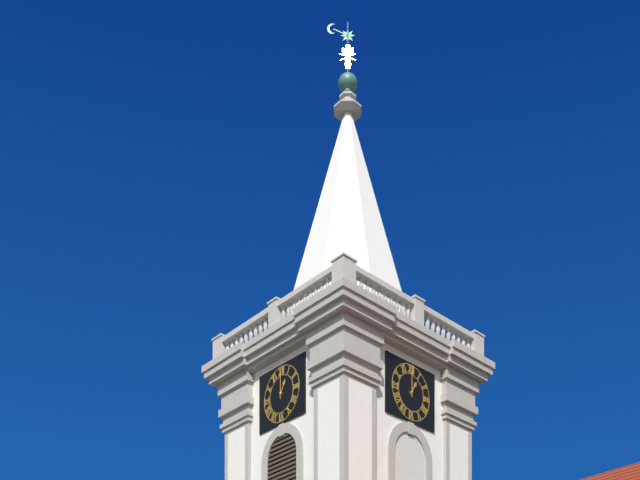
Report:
1h00
